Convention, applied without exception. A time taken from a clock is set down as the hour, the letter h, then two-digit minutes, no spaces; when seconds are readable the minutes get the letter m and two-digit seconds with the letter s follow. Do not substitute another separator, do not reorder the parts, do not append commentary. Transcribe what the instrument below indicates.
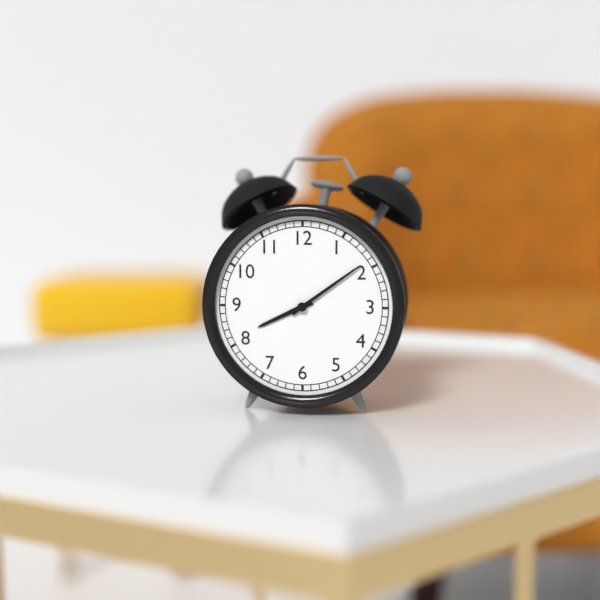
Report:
8h09
